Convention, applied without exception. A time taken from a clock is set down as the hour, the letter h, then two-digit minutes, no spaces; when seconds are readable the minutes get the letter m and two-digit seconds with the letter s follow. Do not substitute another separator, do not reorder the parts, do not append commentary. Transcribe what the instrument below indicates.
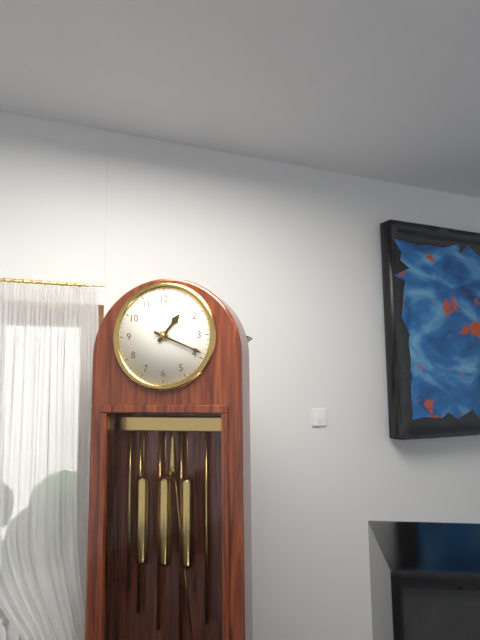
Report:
1h19
